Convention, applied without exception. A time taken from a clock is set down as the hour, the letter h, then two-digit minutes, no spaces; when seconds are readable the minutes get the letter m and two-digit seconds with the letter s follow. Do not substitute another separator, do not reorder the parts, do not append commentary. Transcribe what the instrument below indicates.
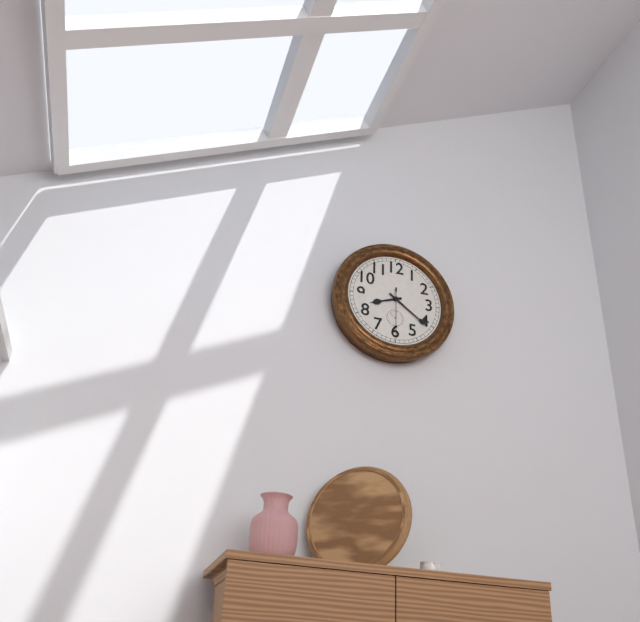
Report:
8h21
